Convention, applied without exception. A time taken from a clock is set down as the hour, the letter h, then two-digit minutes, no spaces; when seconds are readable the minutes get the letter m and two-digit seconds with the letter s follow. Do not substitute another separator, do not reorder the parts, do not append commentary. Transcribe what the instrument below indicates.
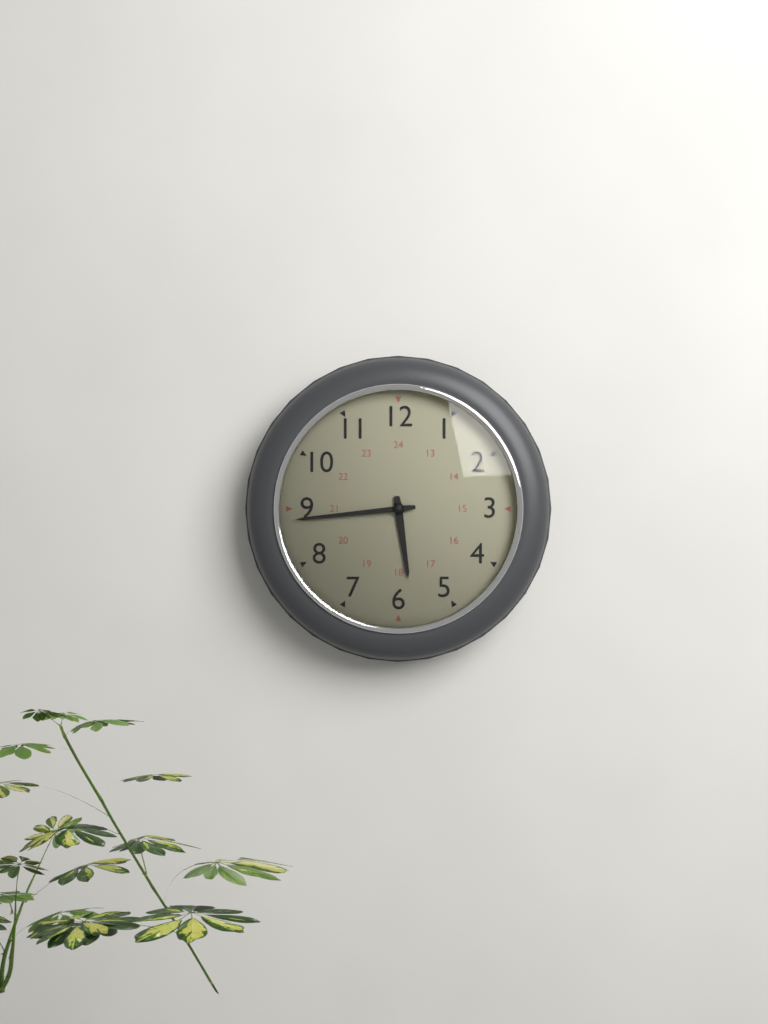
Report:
5h44
